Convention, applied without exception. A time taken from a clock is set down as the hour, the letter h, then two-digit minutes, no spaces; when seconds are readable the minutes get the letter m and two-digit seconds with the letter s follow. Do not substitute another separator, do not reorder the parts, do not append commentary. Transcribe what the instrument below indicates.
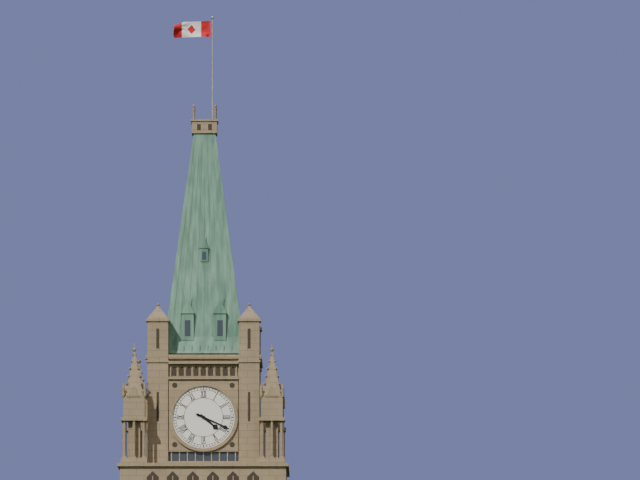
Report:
4h19
